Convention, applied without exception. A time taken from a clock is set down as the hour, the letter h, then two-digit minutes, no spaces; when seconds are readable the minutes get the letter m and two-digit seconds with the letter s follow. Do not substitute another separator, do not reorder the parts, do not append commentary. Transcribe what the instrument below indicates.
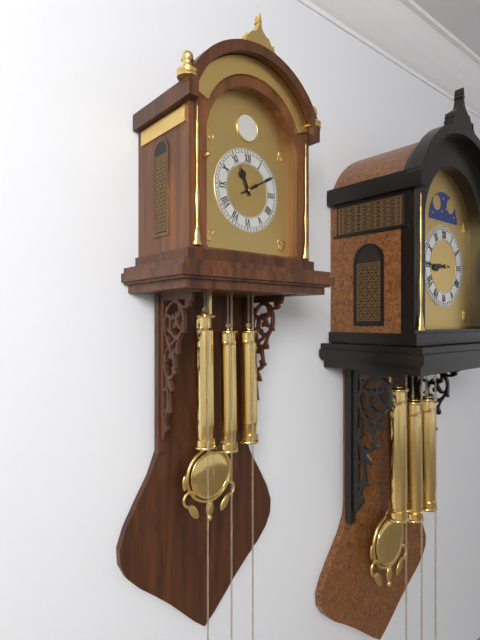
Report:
11h10
